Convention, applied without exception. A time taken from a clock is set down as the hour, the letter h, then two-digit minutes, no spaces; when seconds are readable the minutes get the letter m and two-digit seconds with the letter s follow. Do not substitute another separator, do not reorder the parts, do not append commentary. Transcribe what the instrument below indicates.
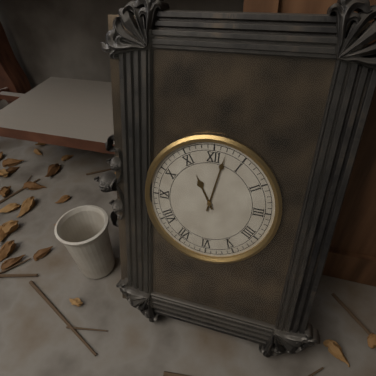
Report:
11h02
